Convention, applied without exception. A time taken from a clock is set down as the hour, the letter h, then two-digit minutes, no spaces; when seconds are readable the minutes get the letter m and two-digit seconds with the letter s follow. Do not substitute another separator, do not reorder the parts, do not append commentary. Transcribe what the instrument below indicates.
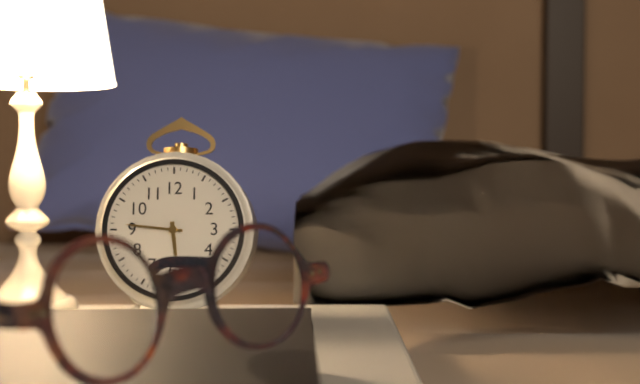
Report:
5h46
